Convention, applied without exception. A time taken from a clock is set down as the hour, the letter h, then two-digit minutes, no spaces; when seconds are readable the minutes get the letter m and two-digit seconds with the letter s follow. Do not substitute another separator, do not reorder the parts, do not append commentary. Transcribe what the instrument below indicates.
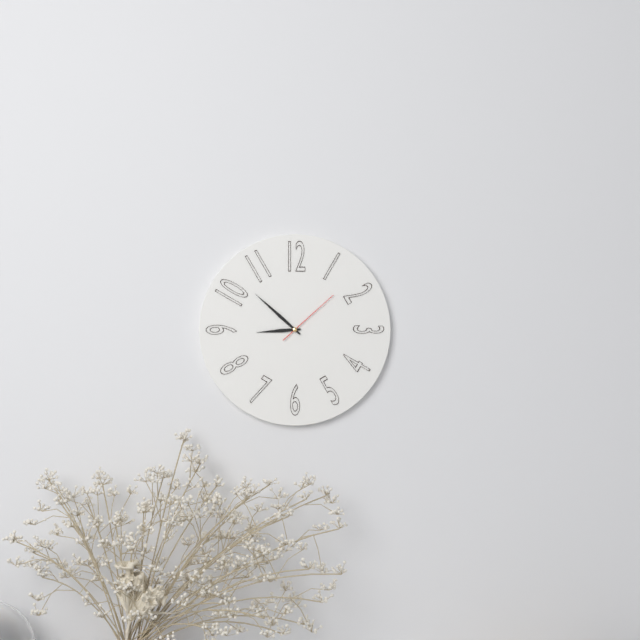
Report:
8h52m08s
